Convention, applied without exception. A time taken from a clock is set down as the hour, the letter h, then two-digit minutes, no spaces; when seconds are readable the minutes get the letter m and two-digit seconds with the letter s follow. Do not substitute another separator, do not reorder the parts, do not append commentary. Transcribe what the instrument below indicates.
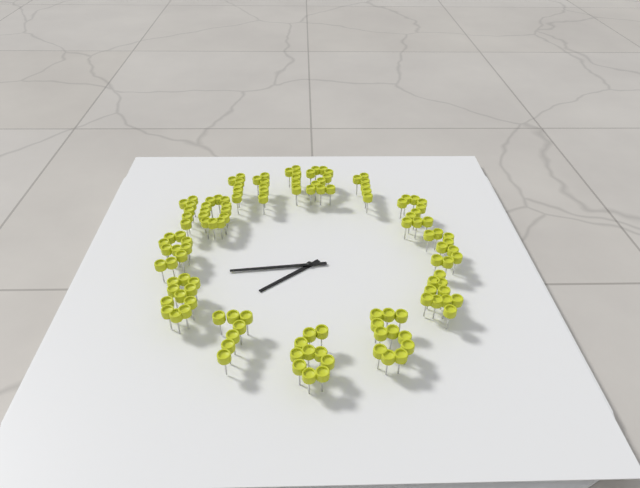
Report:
7h44
